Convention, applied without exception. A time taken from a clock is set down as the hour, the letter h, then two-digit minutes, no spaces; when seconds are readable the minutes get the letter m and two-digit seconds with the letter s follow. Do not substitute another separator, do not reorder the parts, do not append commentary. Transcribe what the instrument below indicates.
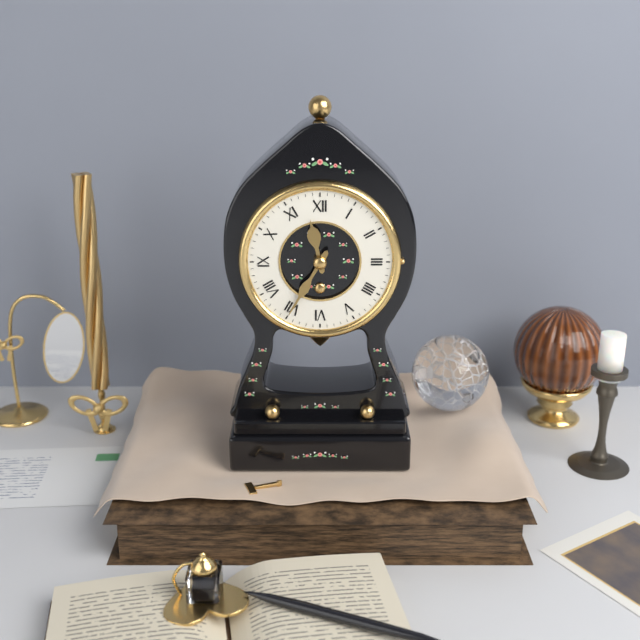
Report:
11h35
